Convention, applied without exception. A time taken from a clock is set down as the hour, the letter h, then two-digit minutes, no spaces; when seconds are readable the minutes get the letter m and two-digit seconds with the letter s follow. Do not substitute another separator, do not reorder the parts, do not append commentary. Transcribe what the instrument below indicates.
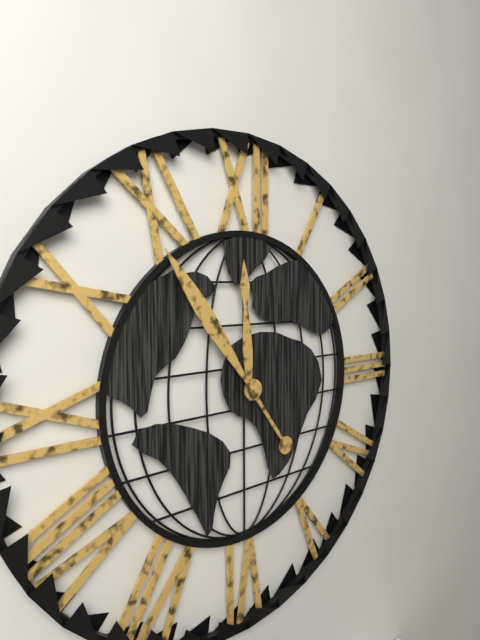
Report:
11h54
